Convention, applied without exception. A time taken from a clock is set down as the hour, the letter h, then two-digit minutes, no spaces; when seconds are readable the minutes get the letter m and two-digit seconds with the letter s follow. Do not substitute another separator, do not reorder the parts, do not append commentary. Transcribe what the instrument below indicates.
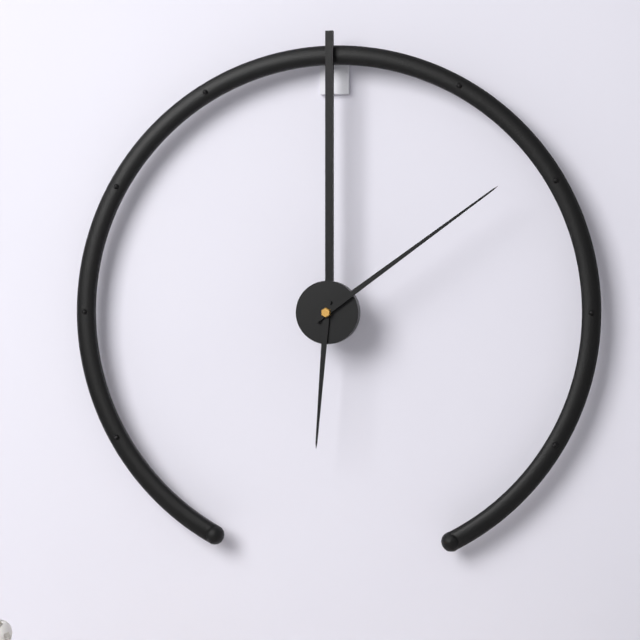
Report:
6h09
